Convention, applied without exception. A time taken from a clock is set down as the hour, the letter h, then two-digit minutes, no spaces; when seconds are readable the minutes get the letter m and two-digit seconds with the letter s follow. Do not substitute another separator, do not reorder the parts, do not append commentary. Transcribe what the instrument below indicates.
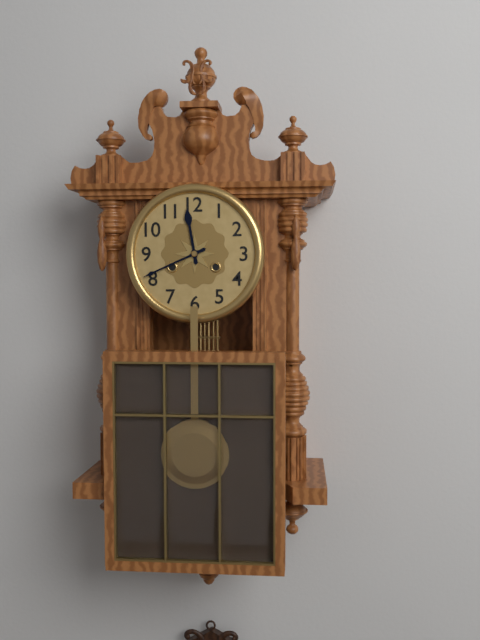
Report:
11h41
